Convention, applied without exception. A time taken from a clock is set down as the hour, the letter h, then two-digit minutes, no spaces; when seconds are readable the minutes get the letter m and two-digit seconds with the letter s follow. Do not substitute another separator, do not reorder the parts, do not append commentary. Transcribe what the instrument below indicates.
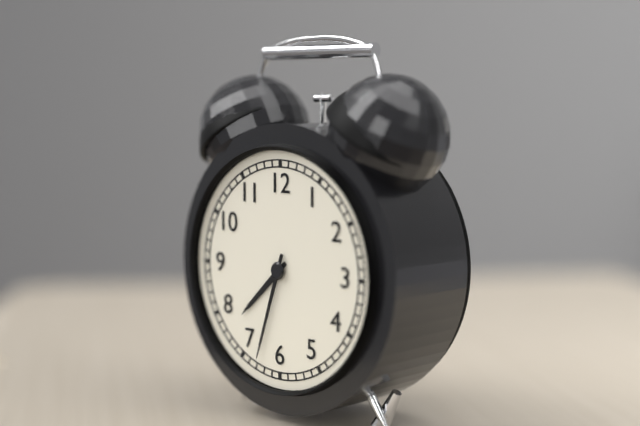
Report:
7h33
